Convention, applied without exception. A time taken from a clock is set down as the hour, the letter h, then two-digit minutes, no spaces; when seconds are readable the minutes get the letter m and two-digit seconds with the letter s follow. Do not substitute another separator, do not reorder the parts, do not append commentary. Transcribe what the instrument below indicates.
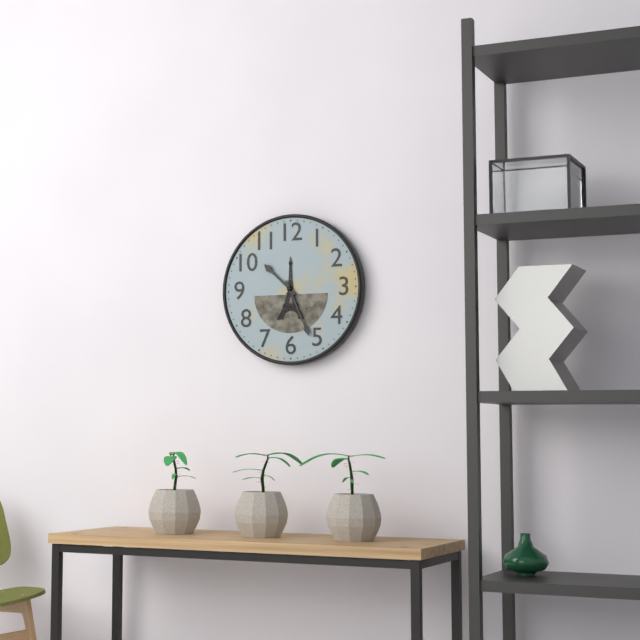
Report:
10h26
